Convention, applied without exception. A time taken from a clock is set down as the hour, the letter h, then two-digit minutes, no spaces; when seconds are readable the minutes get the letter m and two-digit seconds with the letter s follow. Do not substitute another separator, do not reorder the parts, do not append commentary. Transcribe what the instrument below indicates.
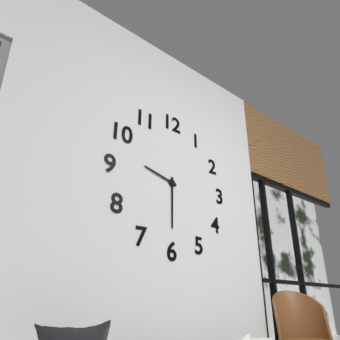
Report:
9h30
